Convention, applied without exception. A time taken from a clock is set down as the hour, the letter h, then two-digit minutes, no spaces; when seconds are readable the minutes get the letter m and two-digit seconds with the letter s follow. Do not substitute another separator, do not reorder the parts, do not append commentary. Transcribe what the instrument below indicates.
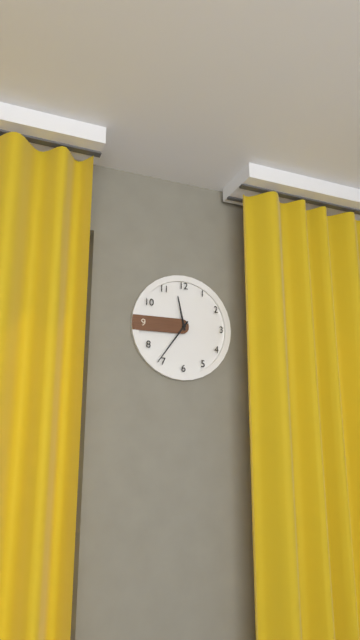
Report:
11h36
